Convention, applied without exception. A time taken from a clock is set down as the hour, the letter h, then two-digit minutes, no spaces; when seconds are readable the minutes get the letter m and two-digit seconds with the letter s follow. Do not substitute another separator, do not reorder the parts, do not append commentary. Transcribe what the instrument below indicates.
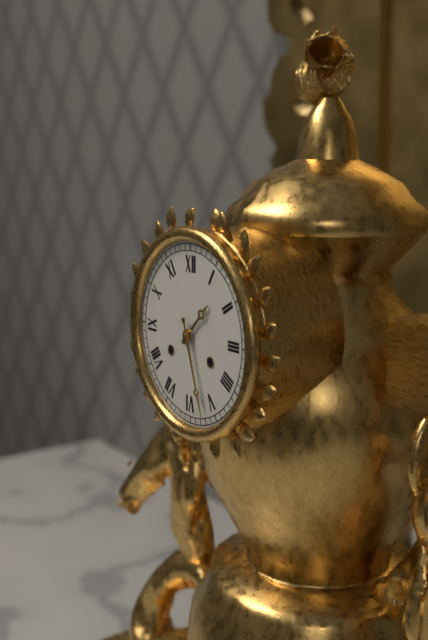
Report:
1h27
